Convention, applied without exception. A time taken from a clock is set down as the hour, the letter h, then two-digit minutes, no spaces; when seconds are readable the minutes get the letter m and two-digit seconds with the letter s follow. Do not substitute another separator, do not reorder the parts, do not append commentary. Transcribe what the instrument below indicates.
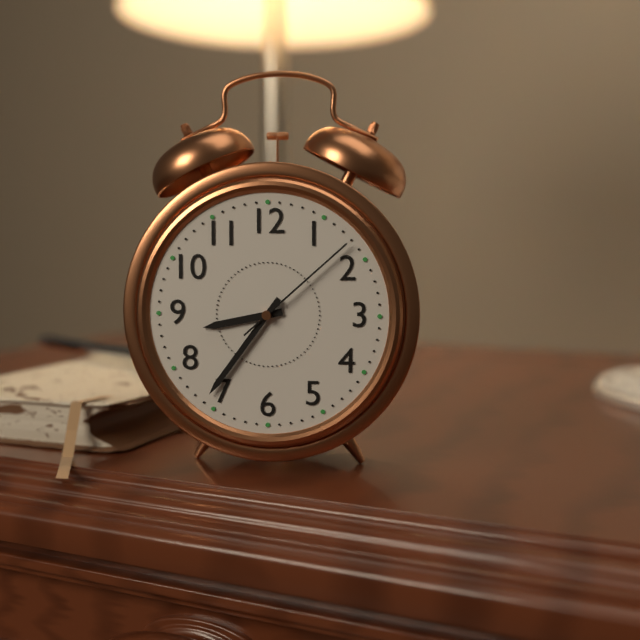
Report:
8h36m08s
